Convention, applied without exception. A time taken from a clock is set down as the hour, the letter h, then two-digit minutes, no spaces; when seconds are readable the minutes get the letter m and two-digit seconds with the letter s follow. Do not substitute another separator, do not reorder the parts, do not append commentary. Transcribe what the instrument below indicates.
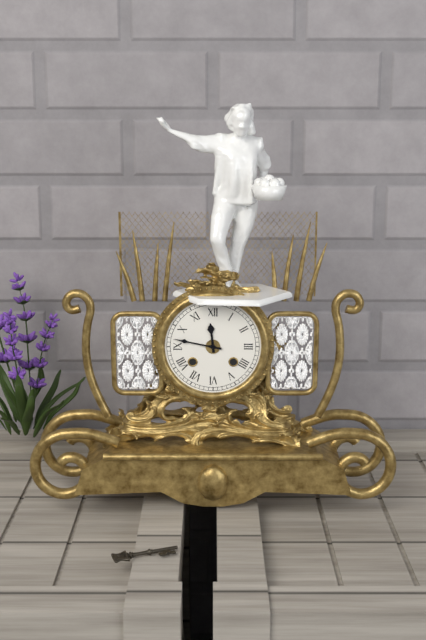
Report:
11h47
